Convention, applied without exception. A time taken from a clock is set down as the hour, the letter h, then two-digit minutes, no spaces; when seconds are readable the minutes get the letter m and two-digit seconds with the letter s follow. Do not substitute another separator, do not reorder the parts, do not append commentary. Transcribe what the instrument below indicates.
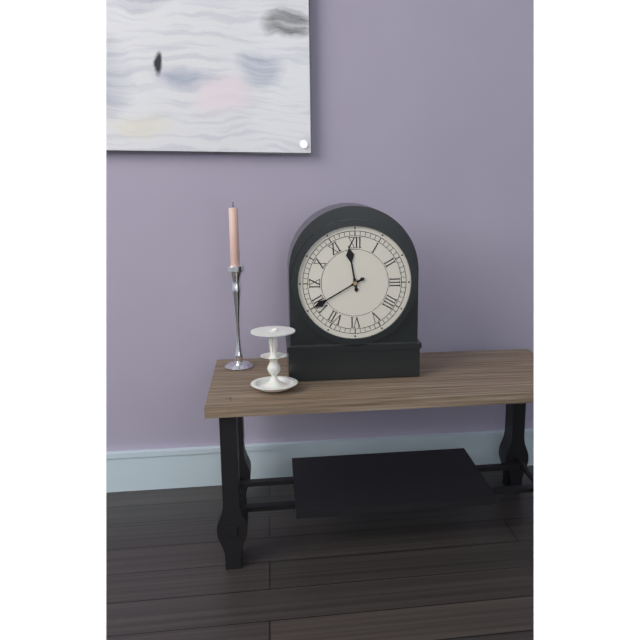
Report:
11h40
